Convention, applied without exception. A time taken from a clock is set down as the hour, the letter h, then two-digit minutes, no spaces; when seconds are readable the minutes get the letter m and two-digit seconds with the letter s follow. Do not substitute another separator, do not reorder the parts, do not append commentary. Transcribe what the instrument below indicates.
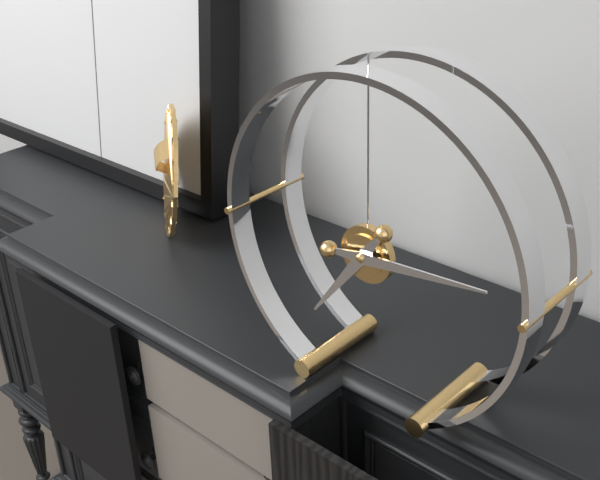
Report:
7h14
